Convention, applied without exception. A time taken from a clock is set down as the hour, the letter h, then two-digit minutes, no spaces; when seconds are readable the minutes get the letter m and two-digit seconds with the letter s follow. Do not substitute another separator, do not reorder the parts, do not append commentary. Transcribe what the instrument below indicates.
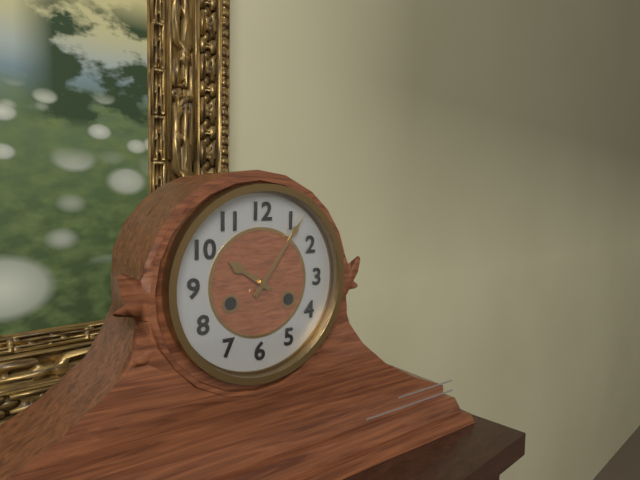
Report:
10h06
